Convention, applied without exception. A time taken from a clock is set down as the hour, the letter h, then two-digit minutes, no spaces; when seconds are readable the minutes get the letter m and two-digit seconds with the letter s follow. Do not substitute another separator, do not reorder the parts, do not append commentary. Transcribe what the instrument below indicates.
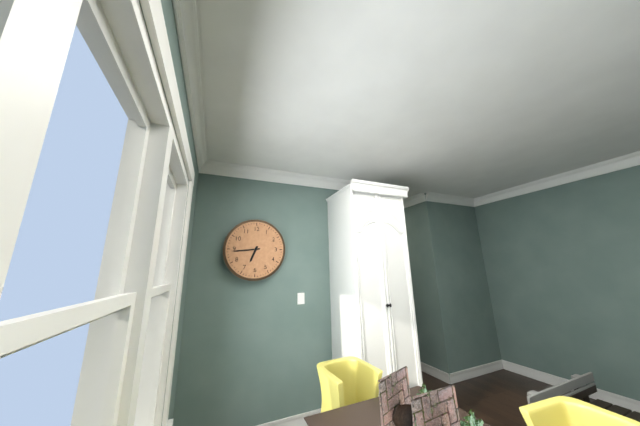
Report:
6h44
